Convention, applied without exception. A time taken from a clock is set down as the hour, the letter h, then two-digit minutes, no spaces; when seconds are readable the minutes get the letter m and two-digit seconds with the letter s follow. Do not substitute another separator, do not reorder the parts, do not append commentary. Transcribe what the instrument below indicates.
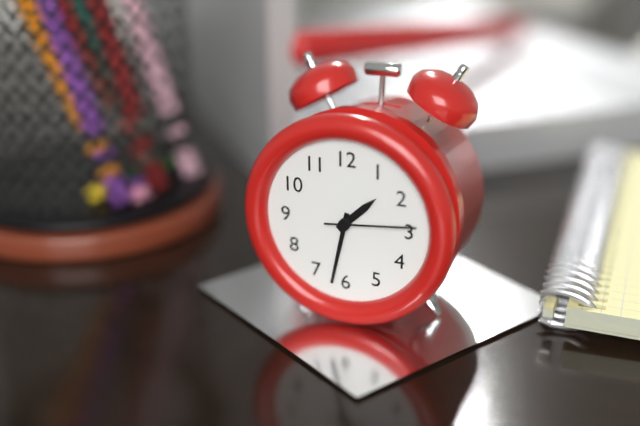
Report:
1h32m14s
